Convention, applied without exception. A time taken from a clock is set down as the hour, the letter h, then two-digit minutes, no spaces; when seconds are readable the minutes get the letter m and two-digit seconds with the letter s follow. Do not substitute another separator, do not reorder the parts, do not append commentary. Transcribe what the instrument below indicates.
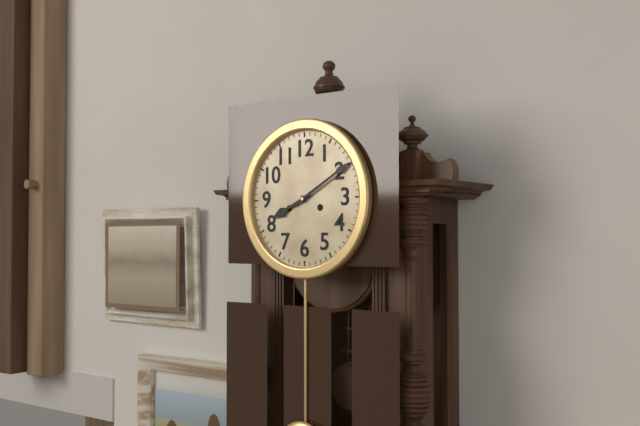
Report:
8h10
